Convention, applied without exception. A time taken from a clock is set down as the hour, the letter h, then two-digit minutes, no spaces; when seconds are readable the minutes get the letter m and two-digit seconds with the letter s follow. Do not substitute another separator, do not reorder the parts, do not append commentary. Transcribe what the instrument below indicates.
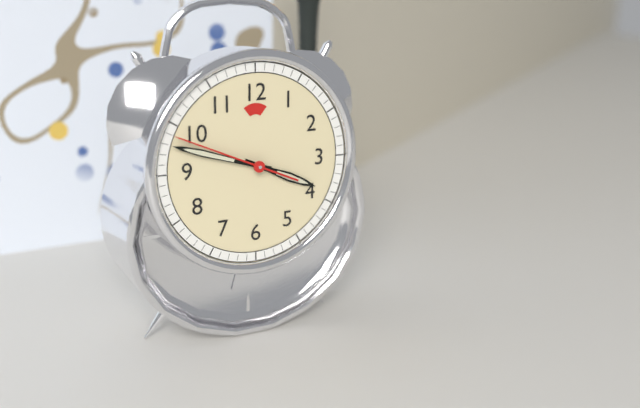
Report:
3h48m49s
